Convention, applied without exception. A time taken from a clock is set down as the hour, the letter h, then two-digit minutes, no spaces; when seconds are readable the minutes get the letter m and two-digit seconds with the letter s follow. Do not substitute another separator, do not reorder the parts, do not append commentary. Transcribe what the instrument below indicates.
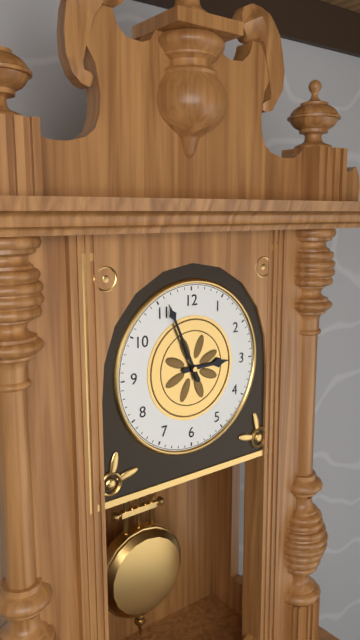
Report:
2h56
